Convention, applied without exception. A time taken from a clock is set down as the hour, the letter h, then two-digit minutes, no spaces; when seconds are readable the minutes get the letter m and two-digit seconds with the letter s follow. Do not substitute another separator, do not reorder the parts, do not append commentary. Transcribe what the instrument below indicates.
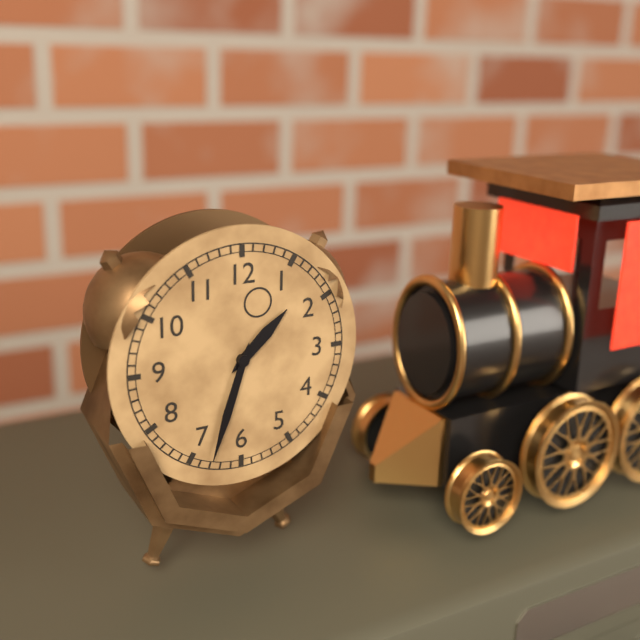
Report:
1h33
